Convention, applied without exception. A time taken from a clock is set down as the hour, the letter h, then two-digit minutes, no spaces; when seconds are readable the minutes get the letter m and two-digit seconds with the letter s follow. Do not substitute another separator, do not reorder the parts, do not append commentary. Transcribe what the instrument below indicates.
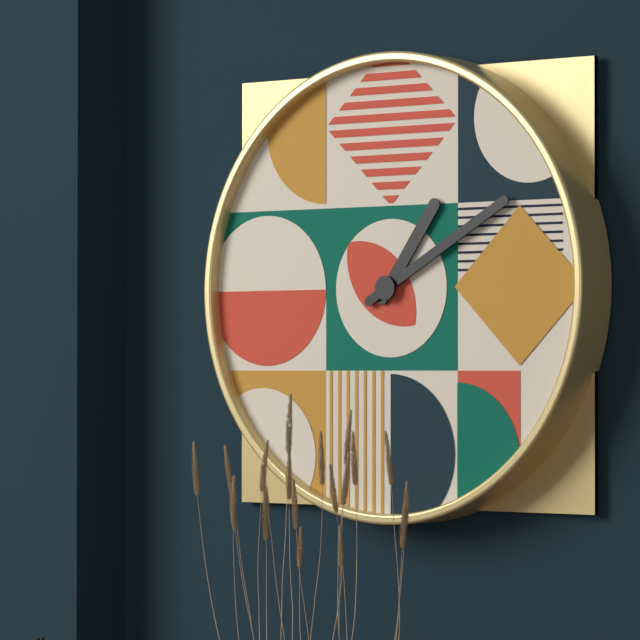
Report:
1h10
